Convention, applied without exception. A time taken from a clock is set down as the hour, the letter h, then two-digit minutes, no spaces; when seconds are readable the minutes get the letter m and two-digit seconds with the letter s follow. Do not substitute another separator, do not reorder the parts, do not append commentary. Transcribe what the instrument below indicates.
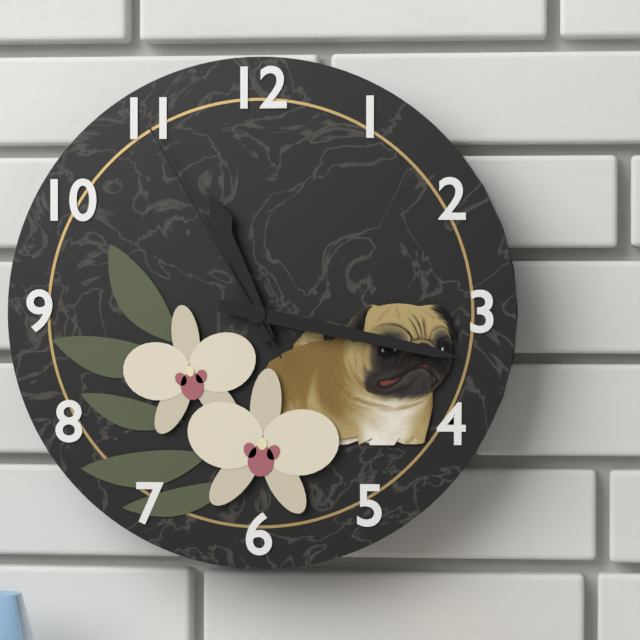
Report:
11h17m55s
